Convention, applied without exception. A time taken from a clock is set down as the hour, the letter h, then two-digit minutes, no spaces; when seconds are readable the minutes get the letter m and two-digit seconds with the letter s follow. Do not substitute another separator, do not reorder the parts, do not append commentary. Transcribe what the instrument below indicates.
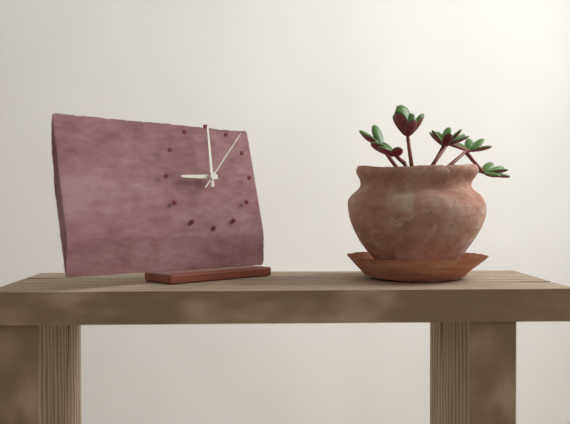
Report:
9h00m07s
